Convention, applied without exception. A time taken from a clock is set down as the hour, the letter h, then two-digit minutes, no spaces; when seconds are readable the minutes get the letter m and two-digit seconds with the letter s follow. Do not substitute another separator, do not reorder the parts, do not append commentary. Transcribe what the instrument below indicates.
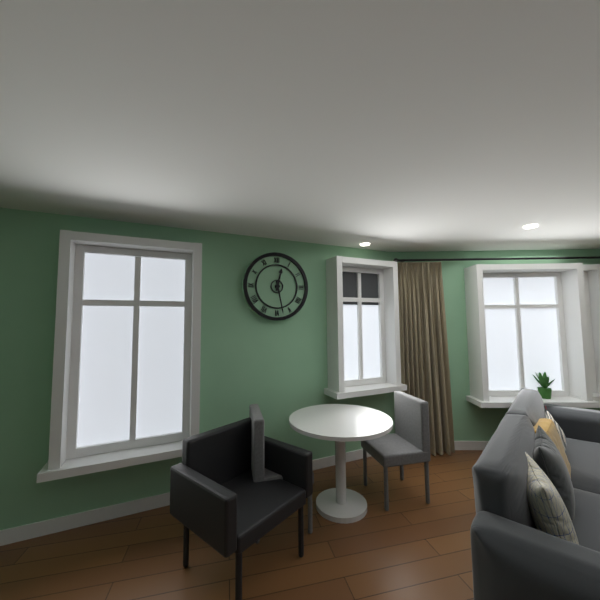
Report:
12h28
